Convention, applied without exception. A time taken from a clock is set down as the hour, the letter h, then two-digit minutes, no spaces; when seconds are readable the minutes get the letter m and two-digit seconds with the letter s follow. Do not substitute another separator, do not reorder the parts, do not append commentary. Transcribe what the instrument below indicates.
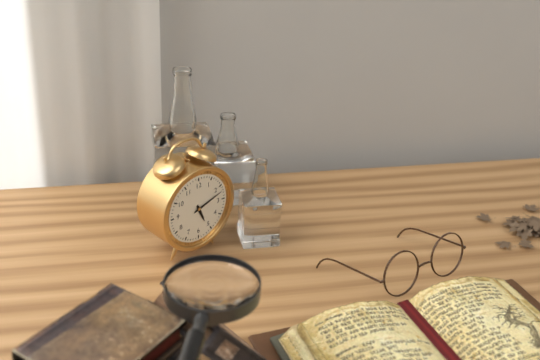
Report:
5h12
